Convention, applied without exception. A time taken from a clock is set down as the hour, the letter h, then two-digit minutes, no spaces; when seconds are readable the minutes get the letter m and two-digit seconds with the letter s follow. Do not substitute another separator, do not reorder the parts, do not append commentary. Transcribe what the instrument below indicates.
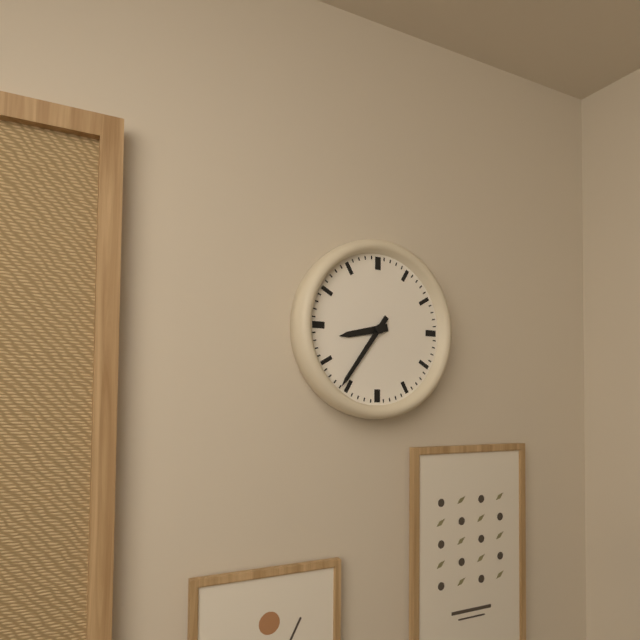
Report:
8h36
